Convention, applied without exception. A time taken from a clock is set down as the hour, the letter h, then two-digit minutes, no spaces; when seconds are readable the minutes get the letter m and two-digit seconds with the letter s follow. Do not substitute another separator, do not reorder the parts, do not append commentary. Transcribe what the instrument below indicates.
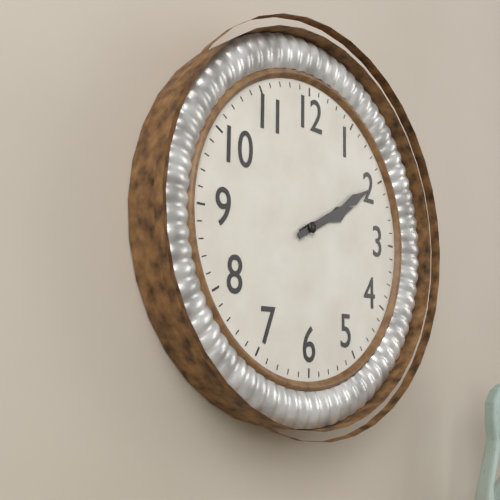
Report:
2h10
